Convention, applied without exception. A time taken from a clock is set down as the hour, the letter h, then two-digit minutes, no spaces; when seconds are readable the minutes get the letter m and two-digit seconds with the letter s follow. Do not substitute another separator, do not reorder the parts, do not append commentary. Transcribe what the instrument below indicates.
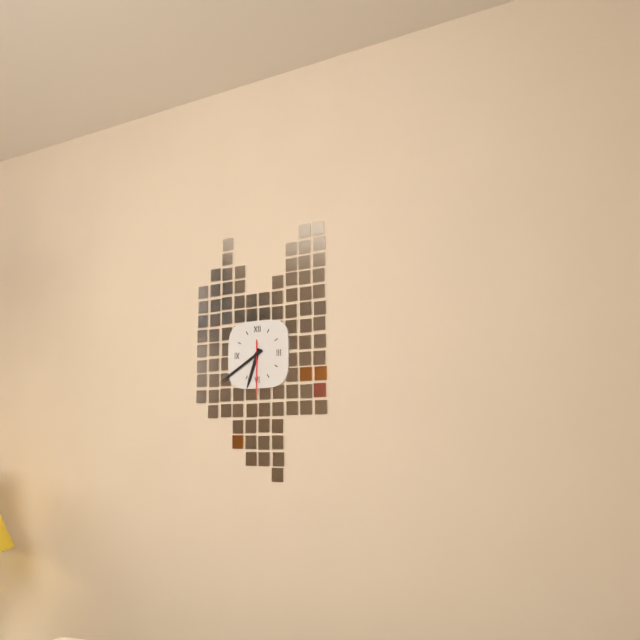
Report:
6h40m30s
